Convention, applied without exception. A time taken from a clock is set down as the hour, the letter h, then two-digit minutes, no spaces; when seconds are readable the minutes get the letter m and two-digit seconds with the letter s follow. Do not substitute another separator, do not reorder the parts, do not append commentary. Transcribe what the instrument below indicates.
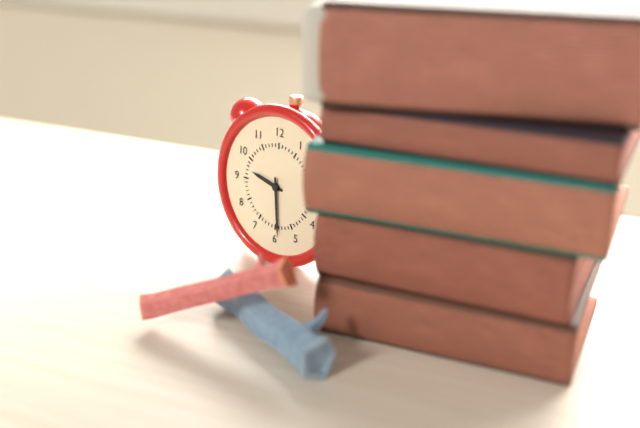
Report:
9h29
